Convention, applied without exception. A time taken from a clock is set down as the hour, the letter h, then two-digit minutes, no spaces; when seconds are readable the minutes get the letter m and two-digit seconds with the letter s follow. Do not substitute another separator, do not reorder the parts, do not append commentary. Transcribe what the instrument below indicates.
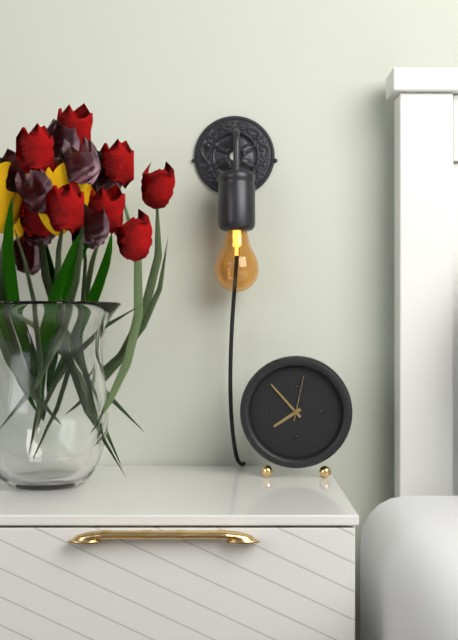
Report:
7h53
